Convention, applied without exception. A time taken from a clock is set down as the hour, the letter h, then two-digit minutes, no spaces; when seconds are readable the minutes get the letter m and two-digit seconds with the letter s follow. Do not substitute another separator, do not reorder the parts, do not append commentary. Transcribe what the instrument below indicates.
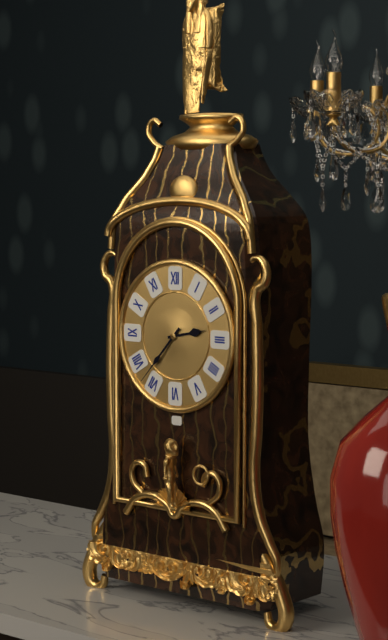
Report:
2h37
